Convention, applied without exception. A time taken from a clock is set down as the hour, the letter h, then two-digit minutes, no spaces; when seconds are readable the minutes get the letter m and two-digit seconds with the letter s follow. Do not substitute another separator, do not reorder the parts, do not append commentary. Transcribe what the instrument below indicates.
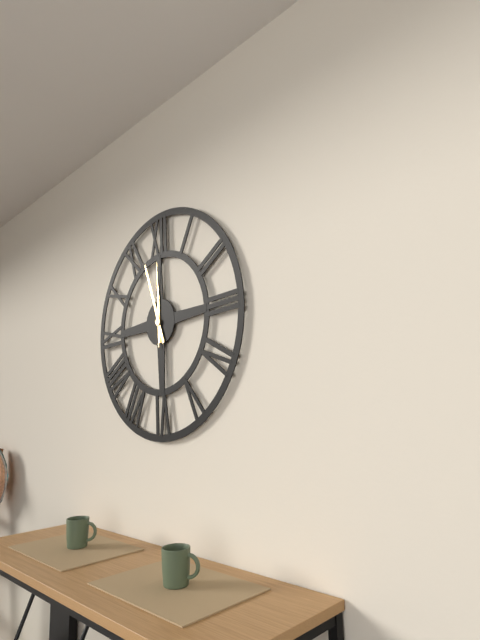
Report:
11h57m00s
